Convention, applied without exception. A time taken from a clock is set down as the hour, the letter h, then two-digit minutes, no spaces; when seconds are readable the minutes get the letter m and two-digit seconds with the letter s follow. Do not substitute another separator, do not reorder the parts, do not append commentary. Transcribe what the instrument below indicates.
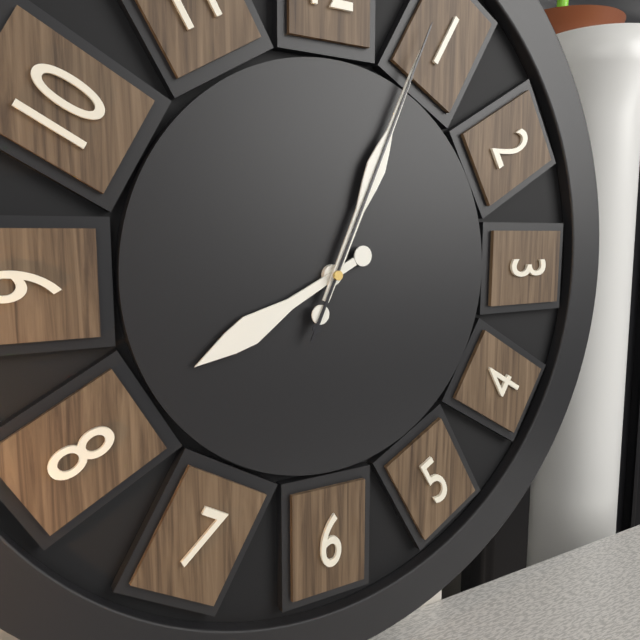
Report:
8h04m04s
